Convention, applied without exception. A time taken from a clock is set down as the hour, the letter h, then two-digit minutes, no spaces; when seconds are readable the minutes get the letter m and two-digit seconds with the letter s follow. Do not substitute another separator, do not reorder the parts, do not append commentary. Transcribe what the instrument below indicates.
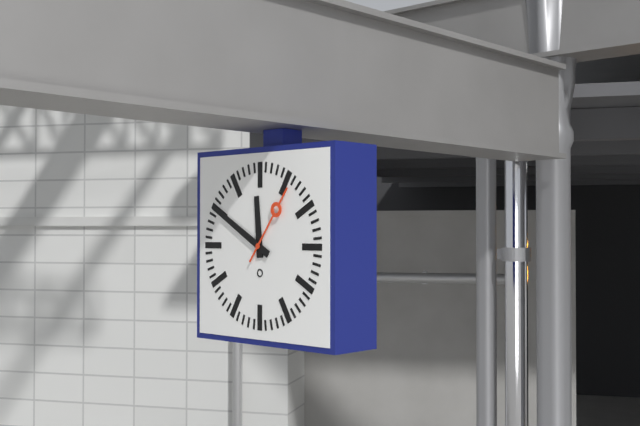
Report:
11h50m06s
